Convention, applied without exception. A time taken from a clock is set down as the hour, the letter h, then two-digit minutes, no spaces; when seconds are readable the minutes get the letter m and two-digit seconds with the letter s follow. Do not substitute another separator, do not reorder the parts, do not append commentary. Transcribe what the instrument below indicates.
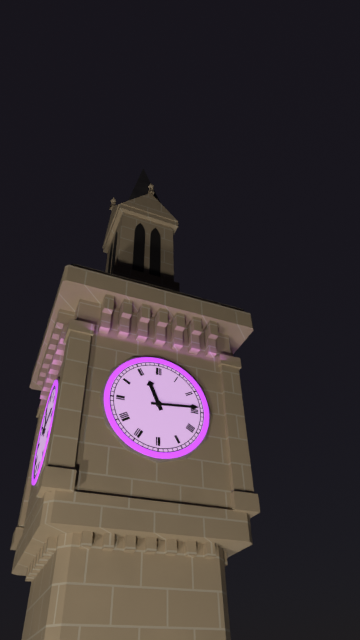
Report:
11h14
